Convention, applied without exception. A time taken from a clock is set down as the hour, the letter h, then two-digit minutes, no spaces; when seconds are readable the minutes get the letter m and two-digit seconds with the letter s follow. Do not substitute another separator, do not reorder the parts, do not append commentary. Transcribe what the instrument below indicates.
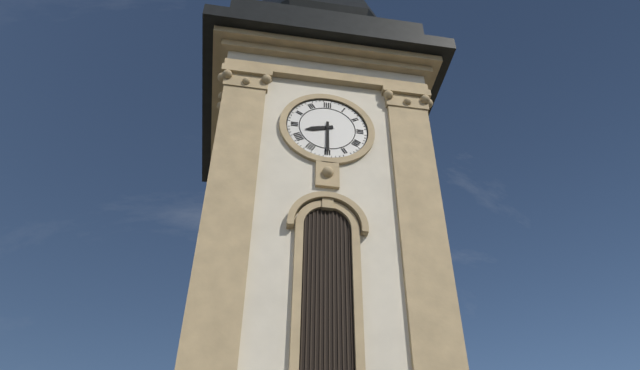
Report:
8h30
